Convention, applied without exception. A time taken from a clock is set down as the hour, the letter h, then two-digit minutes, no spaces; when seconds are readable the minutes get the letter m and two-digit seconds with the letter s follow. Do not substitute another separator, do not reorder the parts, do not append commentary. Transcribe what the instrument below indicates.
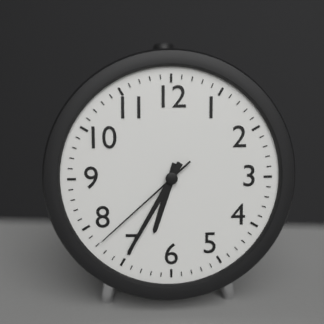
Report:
6h35m38s
